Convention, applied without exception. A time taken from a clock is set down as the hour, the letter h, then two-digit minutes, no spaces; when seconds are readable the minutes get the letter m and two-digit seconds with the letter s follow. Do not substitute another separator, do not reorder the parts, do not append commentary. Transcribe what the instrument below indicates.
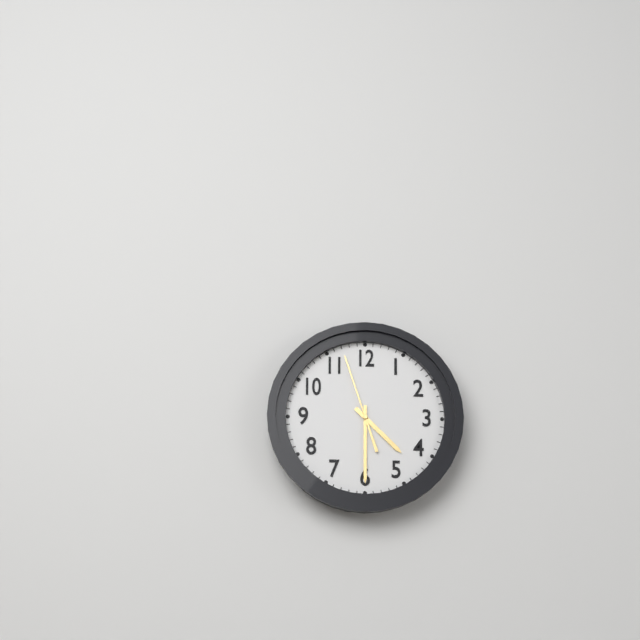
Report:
4h30m57s
